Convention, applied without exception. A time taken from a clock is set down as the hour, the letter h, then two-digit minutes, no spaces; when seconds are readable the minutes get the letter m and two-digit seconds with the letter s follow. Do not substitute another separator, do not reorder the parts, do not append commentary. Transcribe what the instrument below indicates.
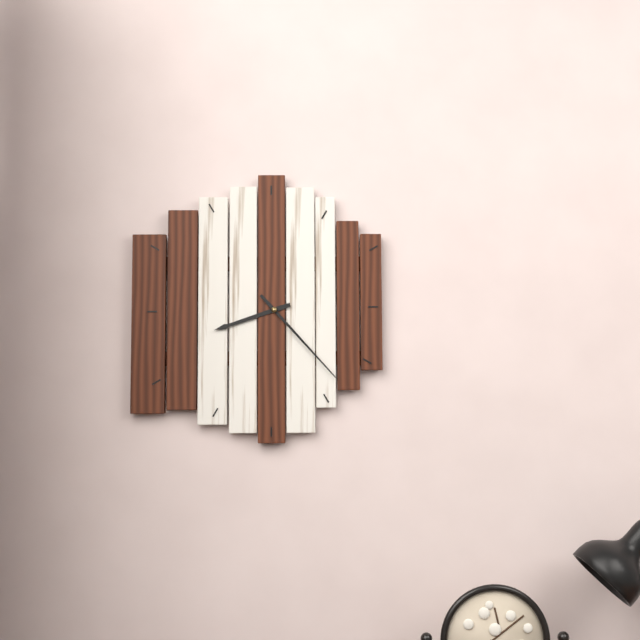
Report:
8h23
